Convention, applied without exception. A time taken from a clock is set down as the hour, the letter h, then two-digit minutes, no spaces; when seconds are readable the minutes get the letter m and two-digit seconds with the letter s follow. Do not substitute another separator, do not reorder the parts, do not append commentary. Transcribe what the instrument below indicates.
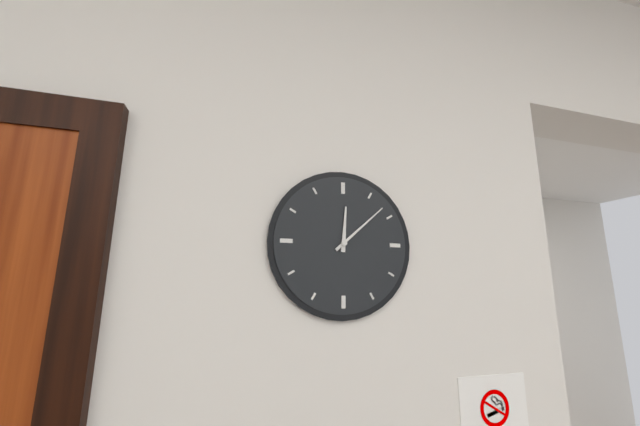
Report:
12h08
